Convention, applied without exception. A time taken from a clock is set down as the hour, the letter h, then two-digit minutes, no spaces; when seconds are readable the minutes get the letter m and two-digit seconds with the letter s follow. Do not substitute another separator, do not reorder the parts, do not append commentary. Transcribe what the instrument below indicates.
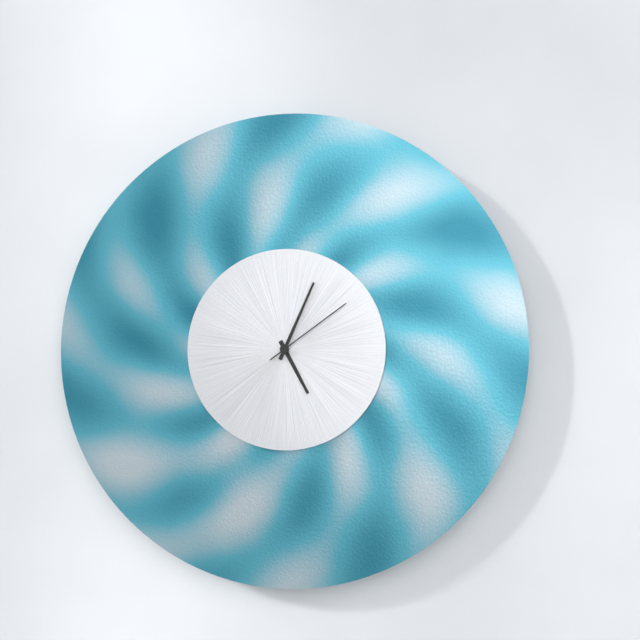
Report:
5h04m09s
